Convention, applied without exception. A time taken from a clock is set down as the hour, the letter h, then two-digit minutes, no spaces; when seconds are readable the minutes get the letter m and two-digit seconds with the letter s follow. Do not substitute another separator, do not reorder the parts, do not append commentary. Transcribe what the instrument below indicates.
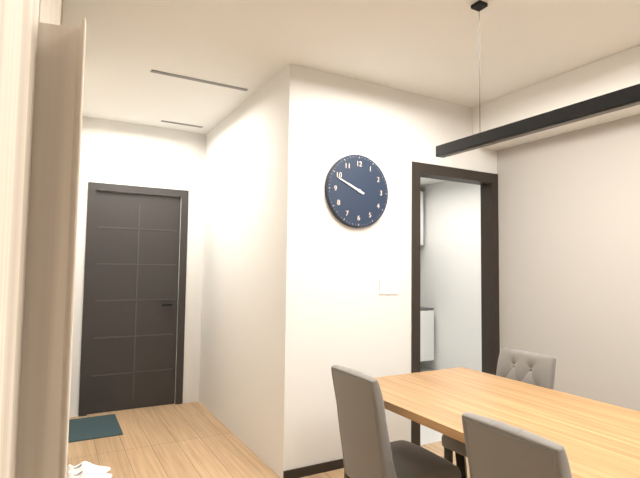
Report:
9h49
